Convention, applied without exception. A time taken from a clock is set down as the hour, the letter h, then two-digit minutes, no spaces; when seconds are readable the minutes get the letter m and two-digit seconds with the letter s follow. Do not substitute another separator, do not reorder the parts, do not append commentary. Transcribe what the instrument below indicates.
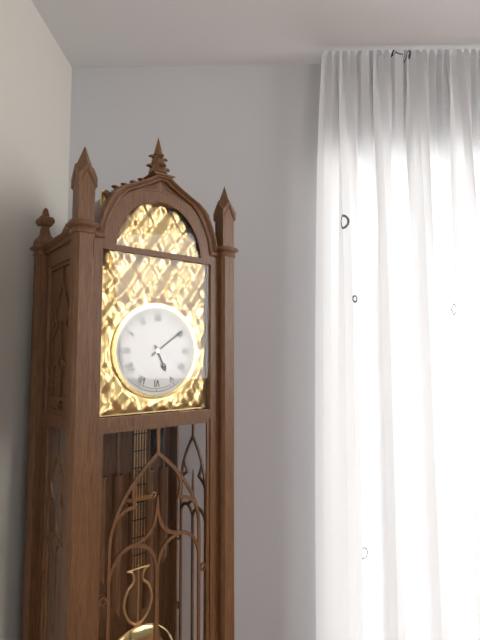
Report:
5h09
